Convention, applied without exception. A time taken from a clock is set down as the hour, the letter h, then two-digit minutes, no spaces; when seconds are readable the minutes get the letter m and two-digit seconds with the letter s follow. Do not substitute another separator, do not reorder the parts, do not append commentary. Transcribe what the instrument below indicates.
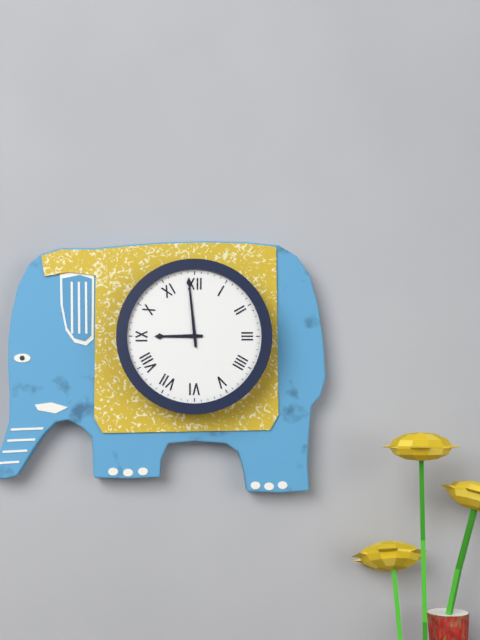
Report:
8h59
